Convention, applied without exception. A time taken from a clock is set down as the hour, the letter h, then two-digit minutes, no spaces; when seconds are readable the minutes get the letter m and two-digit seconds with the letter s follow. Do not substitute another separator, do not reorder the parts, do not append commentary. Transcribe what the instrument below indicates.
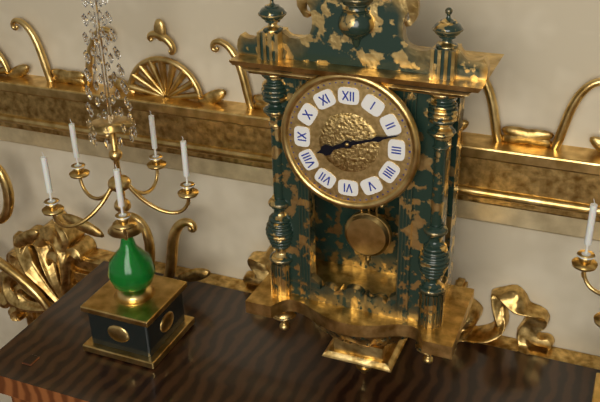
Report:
8h12
